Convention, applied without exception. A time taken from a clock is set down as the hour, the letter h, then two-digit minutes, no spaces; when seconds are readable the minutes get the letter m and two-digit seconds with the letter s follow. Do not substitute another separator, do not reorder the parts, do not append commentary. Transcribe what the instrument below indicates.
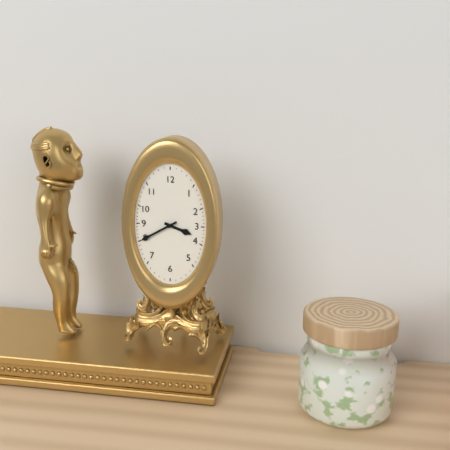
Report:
3h40
